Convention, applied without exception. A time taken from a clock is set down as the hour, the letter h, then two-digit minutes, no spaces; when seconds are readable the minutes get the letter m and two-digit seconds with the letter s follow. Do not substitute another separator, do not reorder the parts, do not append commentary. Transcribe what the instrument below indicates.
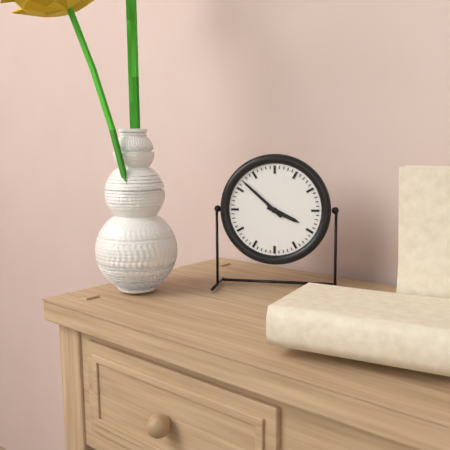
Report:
3h52
